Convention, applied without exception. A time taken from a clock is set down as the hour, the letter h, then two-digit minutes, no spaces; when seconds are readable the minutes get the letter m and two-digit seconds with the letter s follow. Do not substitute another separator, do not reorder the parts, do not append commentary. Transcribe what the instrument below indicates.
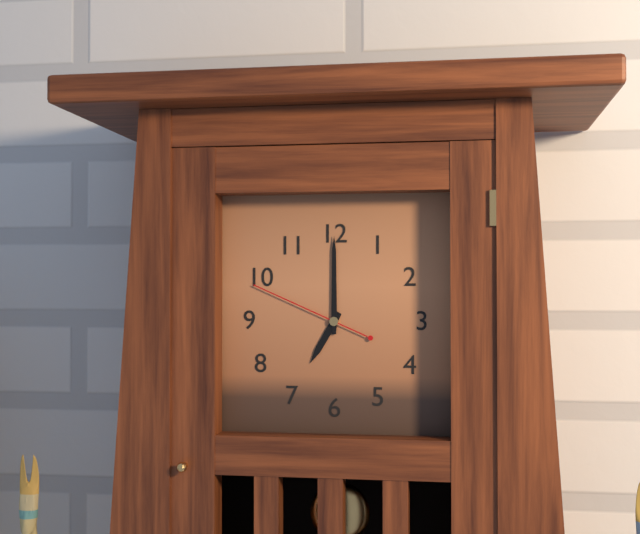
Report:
7h00m49s
